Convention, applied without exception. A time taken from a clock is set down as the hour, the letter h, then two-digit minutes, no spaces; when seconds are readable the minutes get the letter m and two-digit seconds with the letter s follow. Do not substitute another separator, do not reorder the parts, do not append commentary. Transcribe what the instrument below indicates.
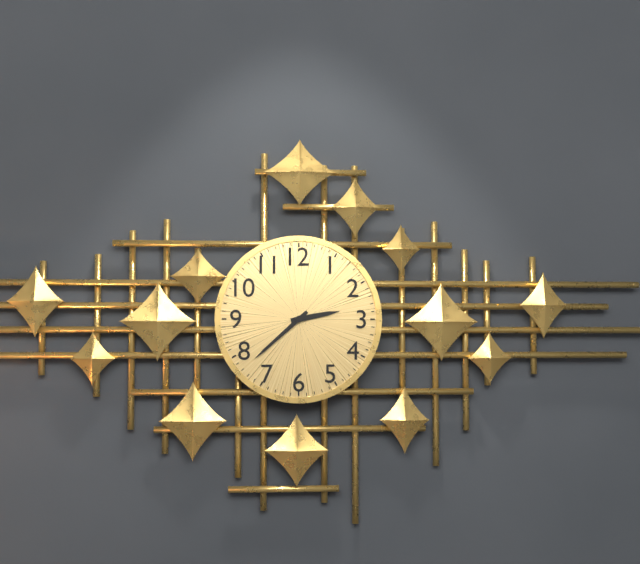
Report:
2h38
